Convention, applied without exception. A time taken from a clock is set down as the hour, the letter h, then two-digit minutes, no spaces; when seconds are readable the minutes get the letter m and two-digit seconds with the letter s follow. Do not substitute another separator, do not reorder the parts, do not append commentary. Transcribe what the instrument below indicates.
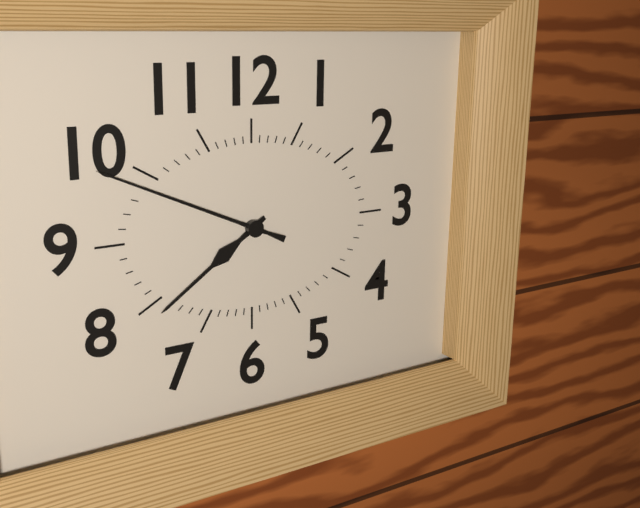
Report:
7h49
